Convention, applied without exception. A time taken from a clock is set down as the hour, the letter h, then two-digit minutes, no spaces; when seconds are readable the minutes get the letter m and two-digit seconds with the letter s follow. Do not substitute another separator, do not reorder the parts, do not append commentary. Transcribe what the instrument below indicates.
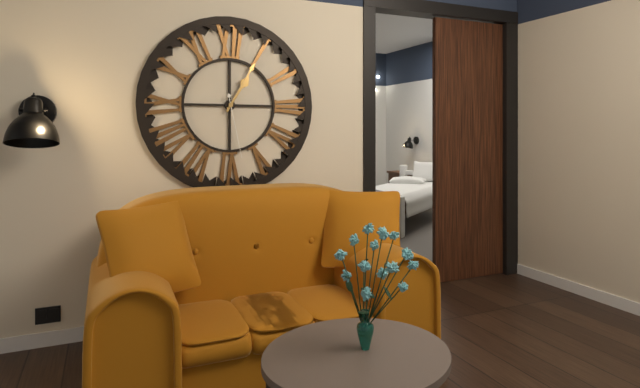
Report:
1h05m28s
